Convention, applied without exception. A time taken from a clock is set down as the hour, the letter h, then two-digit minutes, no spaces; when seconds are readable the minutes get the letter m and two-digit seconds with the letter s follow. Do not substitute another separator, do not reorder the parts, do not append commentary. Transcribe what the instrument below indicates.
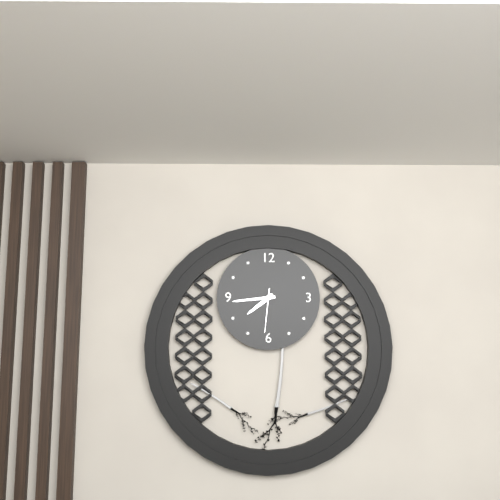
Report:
7h44
